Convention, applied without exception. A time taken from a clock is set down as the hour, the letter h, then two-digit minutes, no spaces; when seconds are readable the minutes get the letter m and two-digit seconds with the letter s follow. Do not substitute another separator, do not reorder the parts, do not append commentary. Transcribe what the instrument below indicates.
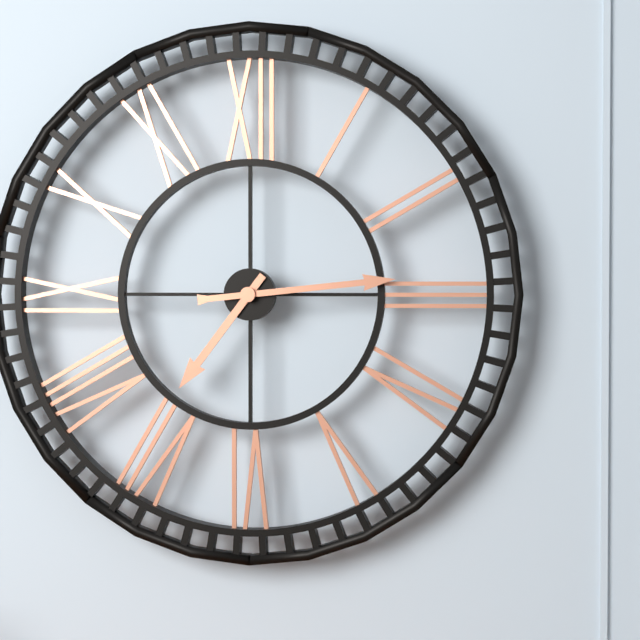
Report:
7h14
